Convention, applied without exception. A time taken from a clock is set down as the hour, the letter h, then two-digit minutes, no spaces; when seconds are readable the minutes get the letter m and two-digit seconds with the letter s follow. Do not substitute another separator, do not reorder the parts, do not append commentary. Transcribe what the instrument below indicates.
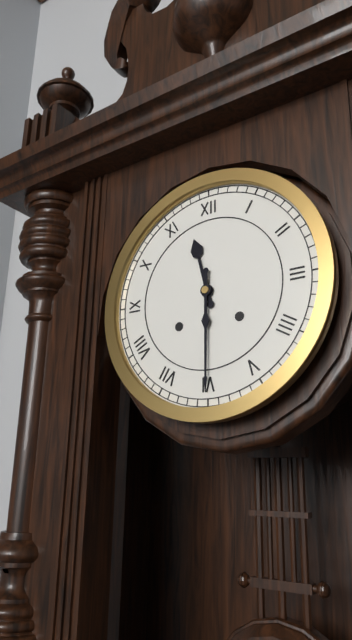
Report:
11h30
